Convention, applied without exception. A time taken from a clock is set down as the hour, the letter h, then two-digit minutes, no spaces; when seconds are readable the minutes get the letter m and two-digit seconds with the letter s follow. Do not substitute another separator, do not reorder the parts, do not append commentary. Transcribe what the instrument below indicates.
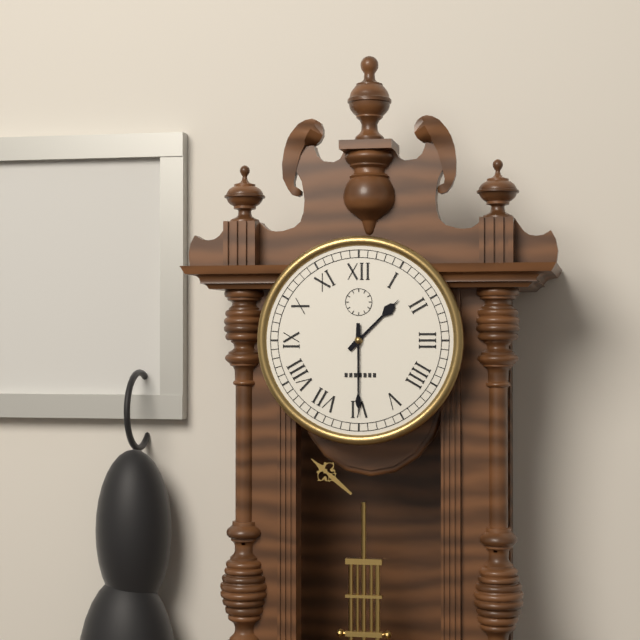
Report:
1h30
